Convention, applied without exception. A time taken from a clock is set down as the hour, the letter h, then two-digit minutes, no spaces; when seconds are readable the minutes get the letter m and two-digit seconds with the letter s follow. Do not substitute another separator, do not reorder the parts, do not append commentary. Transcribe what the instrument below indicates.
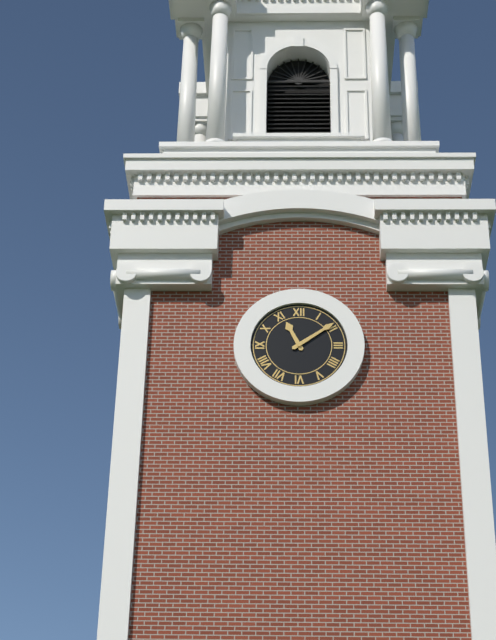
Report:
11h09
